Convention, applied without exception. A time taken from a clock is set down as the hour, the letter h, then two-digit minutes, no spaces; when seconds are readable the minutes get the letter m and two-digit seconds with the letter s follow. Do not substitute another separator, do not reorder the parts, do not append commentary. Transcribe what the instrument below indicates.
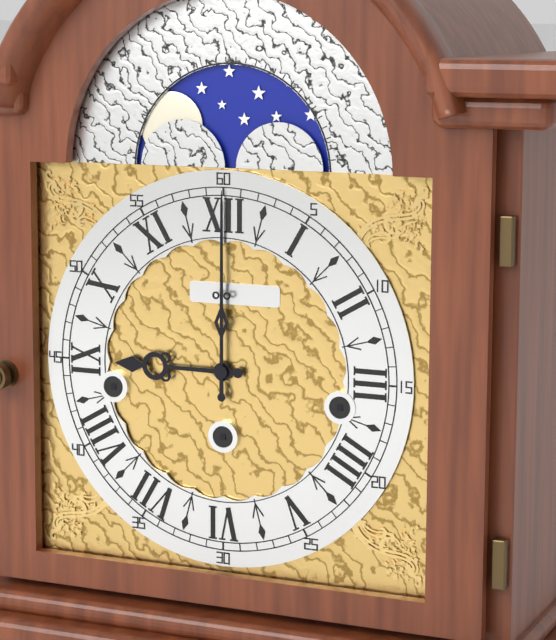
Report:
9h00
